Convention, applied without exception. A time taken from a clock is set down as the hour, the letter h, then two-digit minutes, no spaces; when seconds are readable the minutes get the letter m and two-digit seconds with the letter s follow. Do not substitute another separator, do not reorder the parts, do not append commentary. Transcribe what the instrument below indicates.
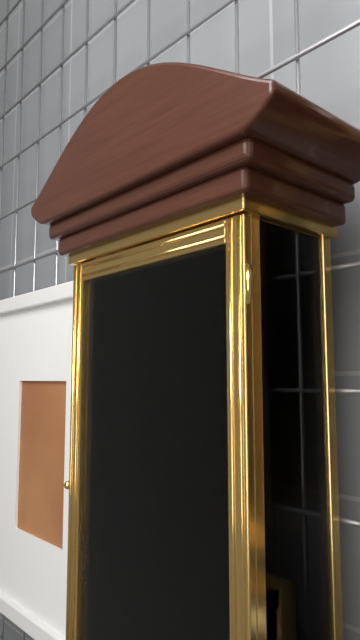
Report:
6h57
